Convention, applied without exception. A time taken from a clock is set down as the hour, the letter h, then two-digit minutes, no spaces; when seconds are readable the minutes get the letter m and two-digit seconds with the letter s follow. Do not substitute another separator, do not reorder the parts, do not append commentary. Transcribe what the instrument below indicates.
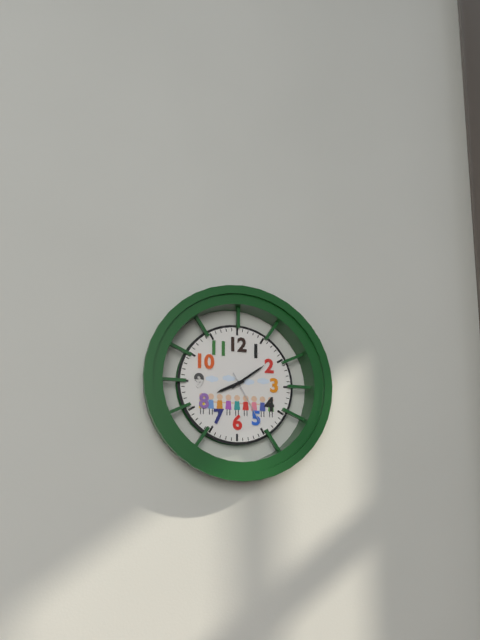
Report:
8h09m25s
